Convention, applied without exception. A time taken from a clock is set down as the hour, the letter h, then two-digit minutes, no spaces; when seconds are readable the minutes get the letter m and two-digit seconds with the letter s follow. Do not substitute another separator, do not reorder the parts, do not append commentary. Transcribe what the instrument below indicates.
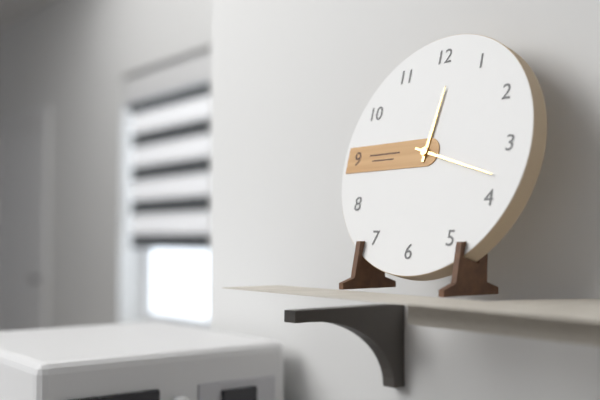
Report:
12h18
